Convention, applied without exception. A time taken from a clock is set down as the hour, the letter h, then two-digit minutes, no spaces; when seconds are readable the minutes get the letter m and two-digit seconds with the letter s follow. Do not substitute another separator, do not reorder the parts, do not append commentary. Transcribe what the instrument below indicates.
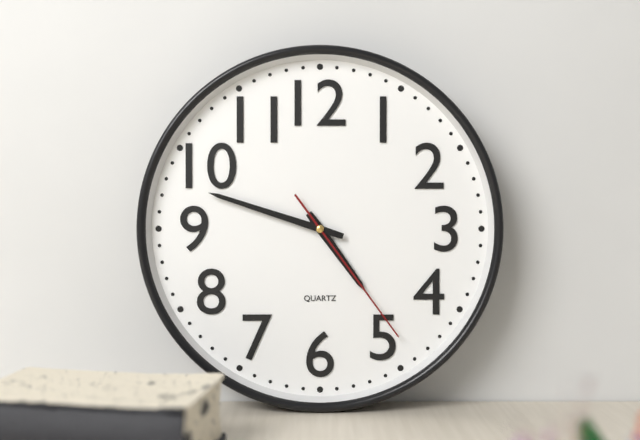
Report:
4h48m24s
